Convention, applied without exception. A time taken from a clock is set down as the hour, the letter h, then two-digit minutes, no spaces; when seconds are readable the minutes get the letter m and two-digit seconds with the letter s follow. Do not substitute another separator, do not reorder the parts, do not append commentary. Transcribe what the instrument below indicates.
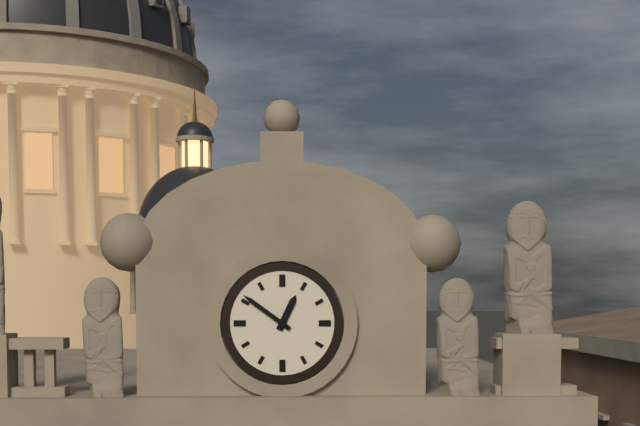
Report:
12h51
